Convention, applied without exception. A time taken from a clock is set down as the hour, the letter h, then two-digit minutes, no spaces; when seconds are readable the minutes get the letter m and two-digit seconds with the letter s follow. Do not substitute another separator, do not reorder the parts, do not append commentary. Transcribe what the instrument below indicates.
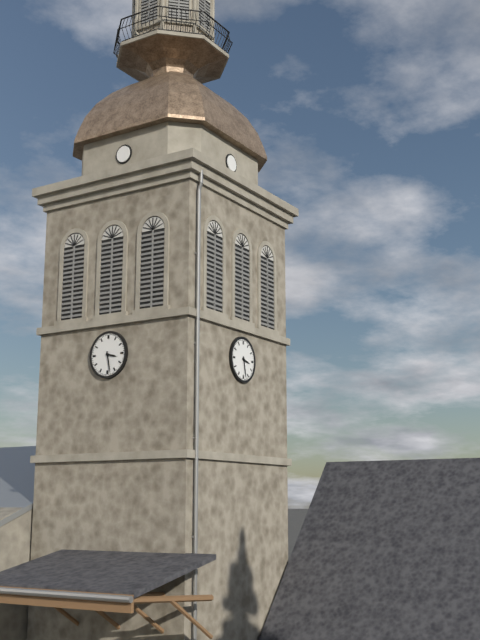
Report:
3h28
